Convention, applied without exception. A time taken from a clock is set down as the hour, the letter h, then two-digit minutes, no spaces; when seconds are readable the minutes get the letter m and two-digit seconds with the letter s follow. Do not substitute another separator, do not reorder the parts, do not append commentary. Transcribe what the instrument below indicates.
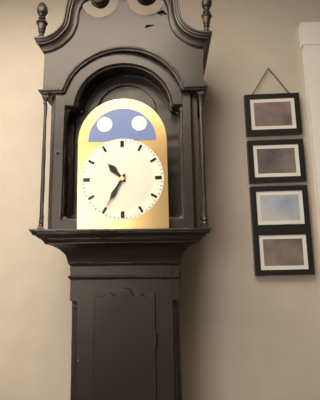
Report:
10h35
